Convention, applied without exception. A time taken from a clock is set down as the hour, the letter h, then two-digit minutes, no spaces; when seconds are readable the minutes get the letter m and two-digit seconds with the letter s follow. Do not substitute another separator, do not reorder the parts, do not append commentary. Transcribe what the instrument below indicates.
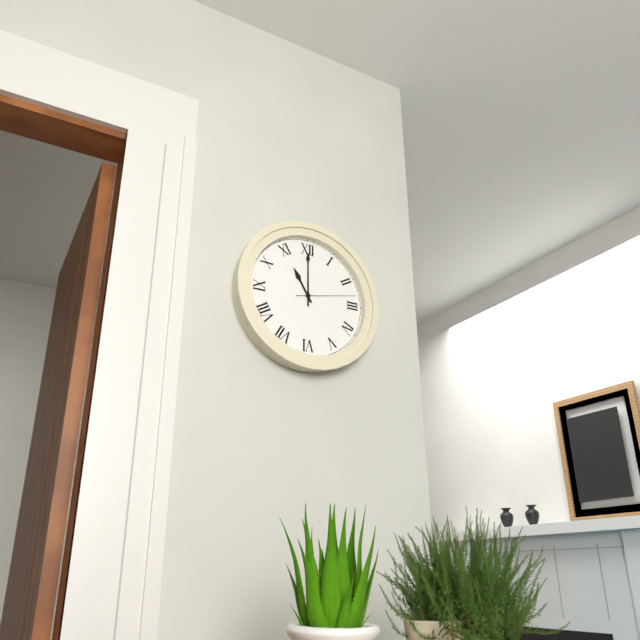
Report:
11h00m13s
